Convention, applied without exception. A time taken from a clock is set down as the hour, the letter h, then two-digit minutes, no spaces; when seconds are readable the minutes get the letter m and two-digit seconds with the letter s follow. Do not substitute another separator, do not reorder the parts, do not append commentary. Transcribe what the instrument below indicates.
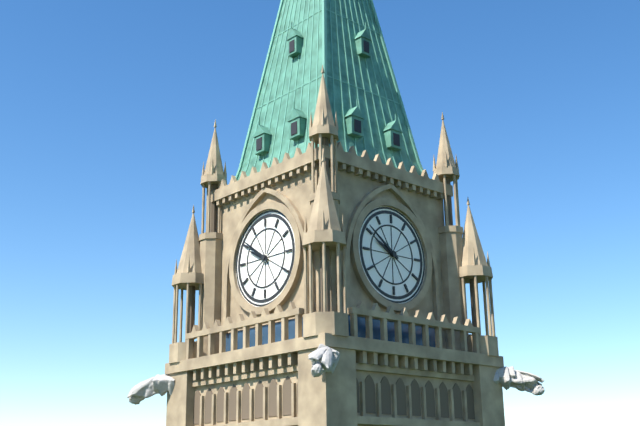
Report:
9h51
